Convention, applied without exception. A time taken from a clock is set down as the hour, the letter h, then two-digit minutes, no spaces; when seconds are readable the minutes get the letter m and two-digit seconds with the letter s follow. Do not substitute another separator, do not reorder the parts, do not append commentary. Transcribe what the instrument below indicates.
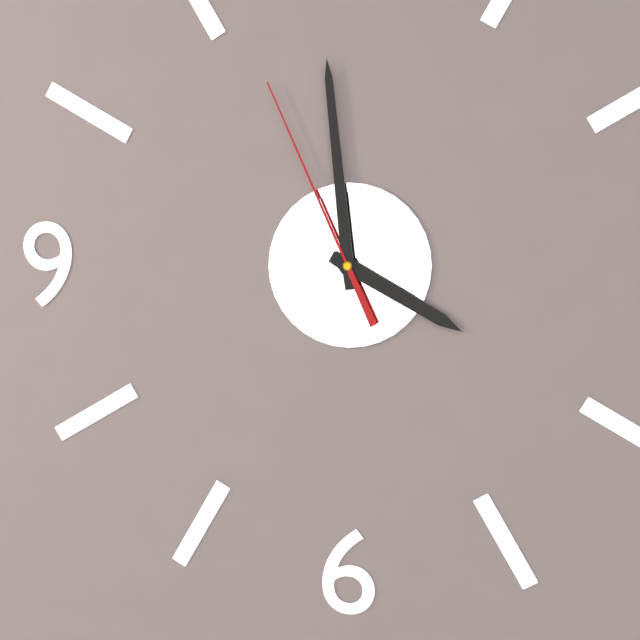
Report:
3h59m56s
